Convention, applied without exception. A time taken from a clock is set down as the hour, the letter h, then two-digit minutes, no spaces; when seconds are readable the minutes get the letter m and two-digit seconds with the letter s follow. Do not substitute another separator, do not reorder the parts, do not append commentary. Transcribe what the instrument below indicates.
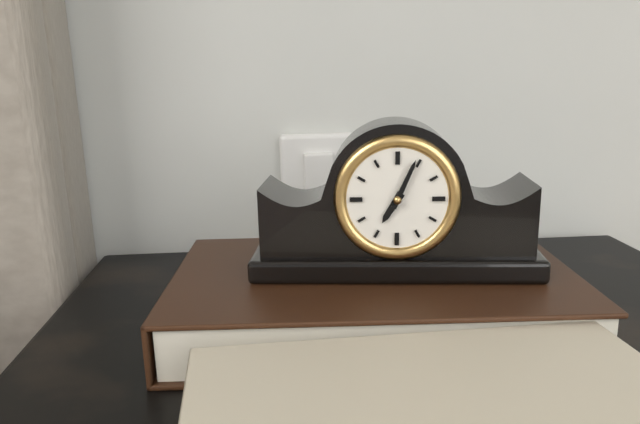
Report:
7h04
